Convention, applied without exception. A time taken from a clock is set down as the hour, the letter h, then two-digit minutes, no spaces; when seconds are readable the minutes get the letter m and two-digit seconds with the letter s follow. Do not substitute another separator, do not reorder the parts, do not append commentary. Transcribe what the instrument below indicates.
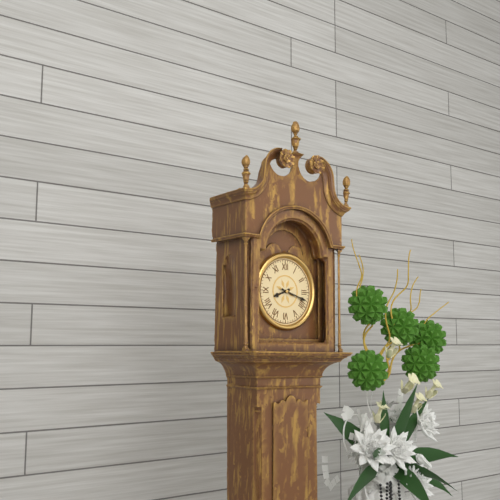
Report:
8h18
